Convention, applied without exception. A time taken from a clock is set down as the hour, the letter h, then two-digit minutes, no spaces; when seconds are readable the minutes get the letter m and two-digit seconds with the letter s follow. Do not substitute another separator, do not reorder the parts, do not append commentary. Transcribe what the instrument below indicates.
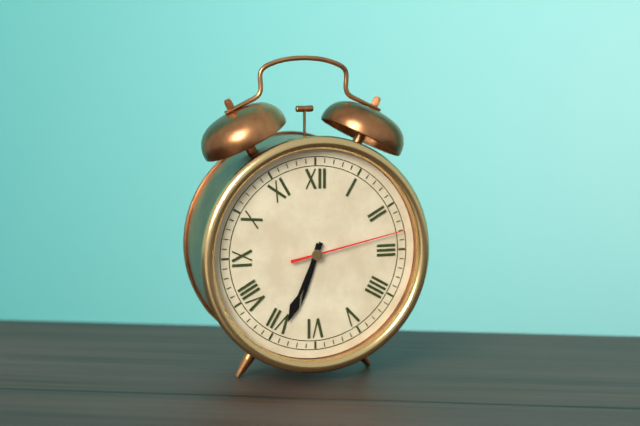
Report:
6h34m13s
